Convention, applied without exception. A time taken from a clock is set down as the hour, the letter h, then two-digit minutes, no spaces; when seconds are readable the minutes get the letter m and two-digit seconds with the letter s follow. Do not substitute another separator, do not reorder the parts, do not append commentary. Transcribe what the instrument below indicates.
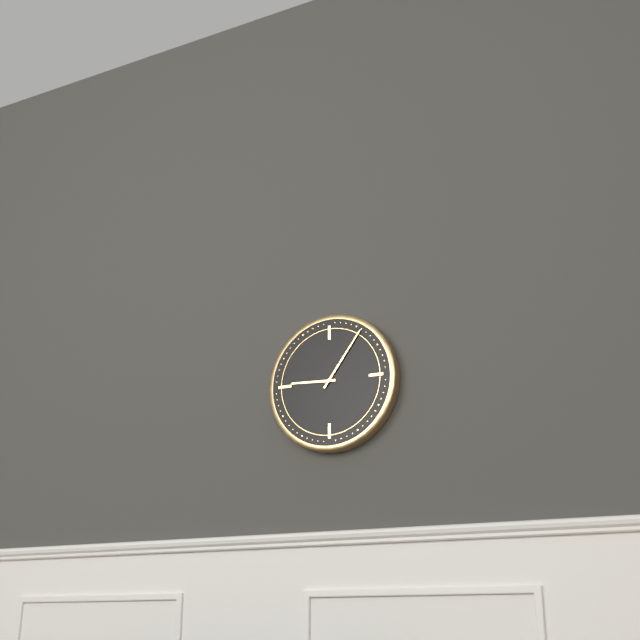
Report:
9h06
